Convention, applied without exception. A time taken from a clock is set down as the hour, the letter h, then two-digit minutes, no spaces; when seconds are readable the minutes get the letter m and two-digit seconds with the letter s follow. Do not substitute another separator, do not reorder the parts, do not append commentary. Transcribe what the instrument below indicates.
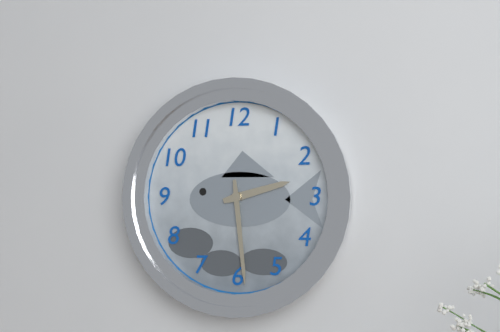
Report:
2h29
